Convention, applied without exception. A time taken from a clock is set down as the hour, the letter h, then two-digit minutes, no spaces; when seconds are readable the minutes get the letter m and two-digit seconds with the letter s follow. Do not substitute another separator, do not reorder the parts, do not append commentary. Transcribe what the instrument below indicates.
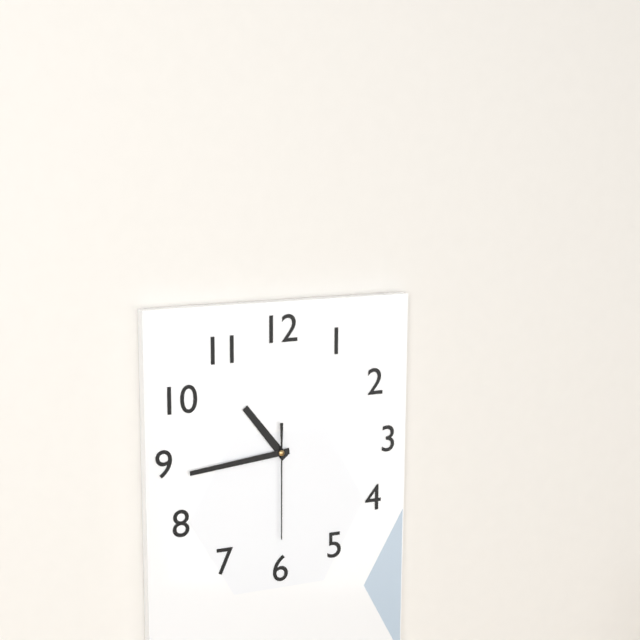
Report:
10h44m30s
